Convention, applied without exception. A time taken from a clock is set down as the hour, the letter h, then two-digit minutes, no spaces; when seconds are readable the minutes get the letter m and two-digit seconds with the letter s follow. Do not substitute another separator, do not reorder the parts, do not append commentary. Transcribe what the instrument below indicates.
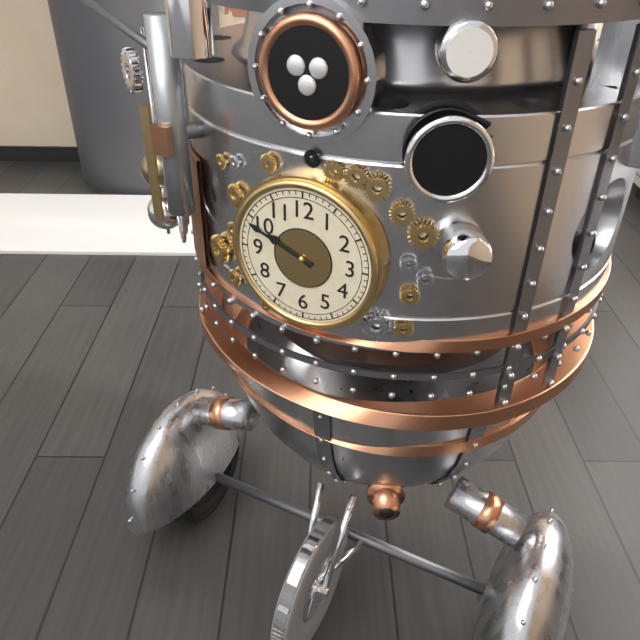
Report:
9h49
